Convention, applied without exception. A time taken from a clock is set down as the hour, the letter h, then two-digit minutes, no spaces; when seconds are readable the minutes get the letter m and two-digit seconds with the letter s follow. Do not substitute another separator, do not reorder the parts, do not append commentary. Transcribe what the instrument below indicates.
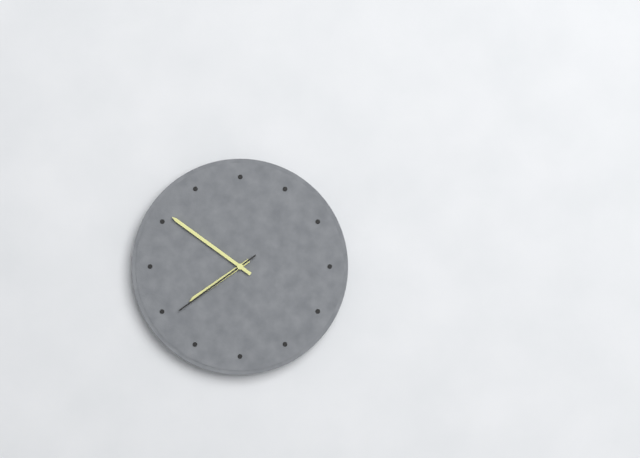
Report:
7h51m39s
